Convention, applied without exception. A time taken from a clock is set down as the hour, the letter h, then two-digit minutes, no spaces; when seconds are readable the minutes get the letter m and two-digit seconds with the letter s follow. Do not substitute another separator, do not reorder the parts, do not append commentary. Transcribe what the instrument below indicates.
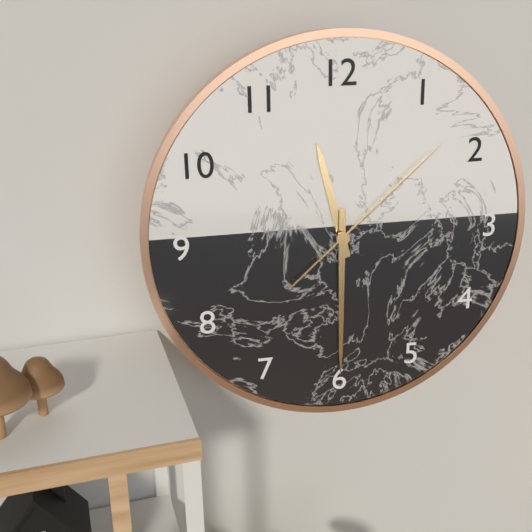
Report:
11h30m08s
